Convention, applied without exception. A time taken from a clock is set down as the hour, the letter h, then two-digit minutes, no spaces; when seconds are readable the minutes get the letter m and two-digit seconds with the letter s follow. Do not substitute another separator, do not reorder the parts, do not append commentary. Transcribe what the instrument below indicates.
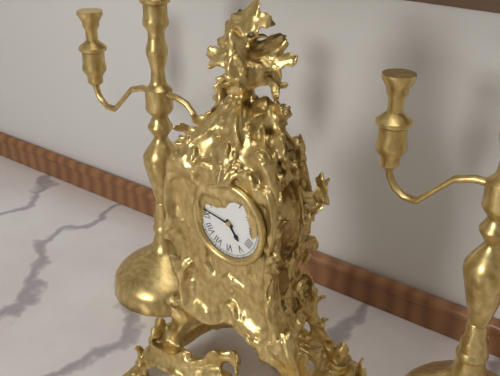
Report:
4h47
